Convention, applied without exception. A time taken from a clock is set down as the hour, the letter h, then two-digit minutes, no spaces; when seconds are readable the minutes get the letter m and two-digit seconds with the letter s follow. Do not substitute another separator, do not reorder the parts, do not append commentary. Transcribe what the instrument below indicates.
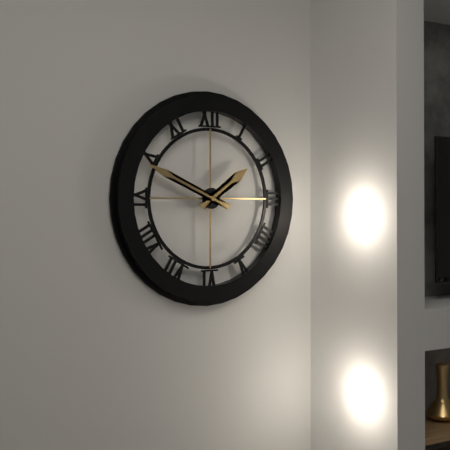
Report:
1h49
